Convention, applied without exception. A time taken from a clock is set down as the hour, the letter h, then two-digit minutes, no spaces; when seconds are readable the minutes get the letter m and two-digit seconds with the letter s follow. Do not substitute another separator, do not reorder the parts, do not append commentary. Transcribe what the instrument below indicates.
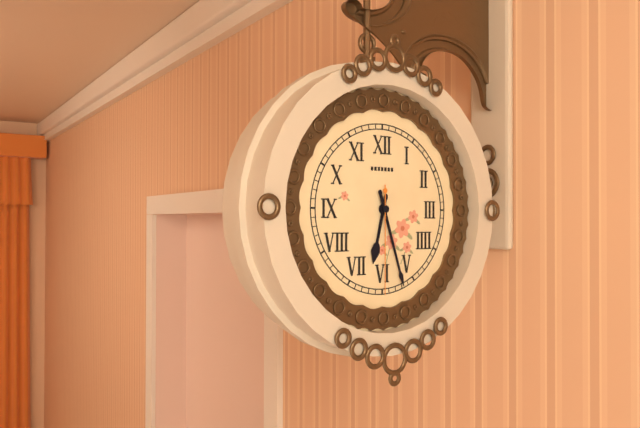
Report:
6h27m30s
